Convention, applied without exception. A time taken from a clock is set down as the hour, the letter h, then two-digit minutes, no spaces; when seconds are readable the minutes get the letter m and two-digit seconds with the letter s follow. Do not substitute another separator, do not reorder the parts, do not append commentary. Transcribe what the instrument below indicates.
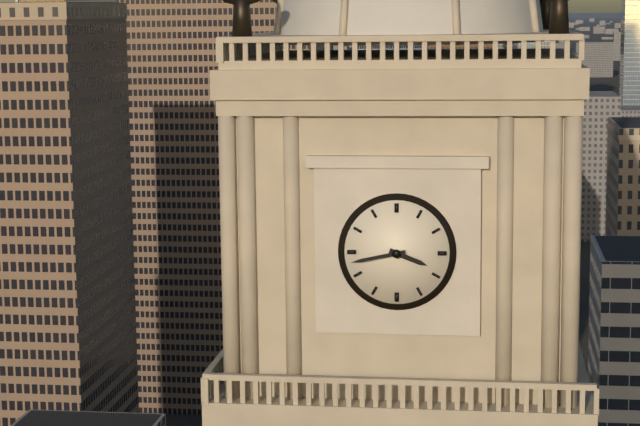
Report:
3h43
